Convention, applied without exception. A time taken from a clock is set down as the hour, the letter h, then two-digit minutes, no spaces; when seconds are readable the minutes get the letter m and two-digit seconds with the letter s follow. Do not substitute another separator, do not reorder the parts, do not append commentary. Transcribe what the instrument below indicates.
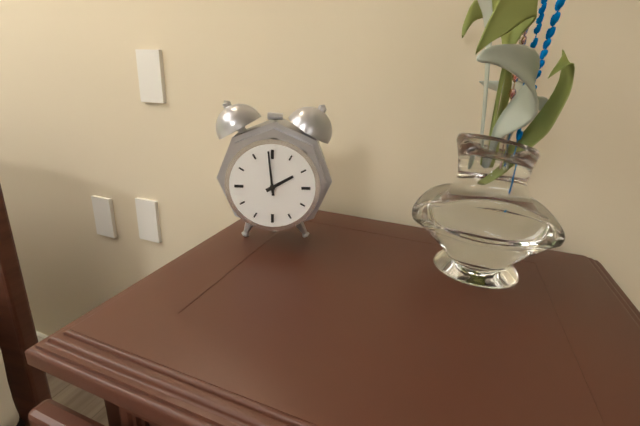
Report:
1h59
